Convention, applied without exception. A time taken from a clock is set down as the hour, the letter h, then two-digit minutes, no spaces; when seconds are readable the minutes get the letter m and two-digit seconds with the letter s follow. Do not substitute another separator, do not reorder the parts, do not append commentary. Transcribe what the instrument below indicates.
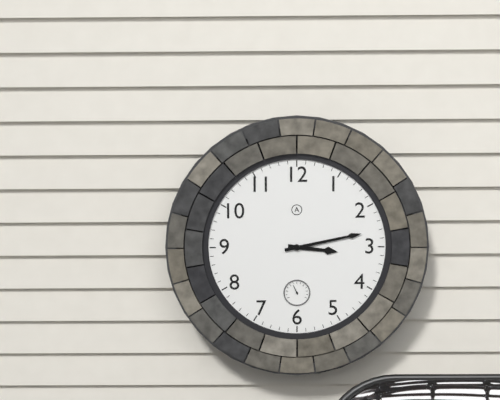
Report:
3h13
